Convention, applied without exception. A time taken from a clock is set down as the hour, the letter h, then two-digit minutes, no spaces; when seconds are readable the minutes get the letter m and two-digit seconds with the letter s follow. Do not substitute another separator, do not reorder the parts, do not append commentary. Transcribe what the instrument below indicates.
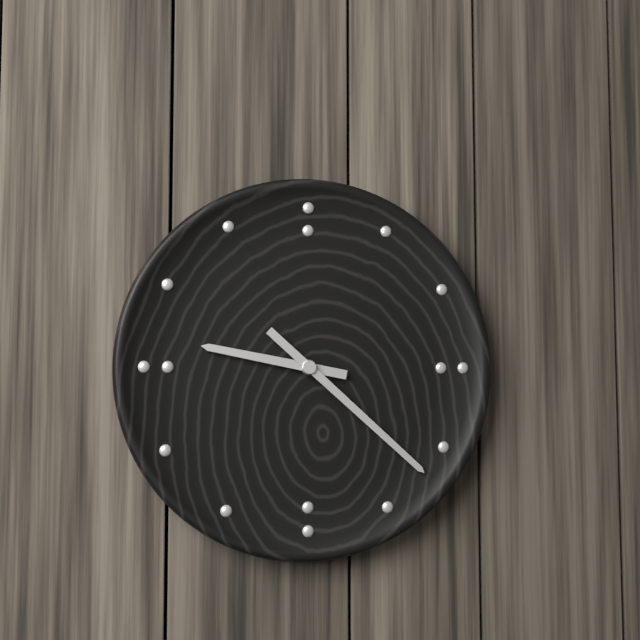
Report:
9h22
